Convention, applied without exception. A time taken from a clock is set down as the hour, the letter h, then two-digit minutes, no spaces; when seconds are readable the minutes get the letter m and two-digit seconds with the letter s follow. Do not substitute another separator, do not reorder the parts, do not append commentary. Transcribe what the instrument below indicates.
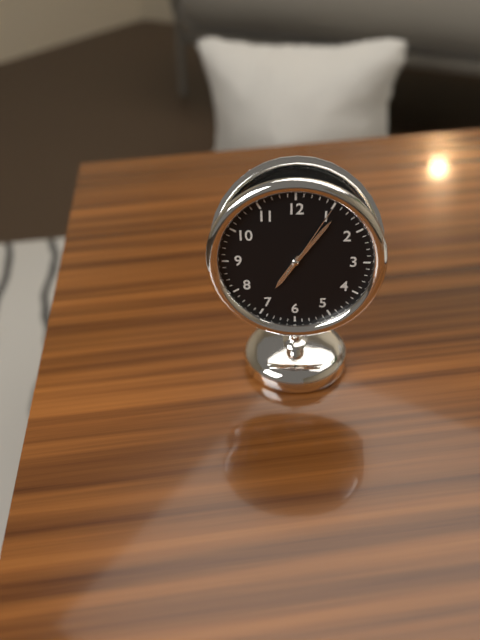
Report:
7h06m05s
